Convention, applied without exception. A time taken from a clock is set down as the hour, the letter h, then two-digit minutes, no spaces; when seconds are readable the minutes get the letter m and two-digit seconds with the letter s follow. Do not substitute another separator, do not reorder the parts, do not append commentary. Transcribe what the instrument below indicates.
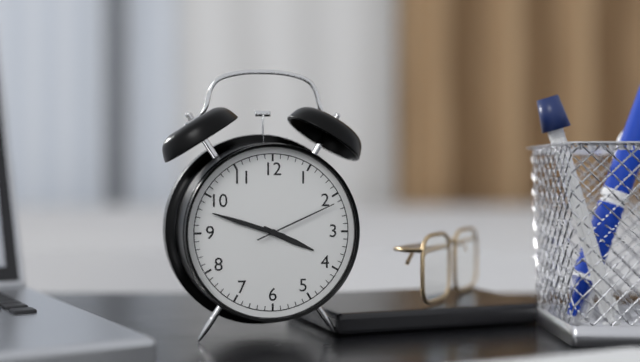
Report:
3h48m11s
